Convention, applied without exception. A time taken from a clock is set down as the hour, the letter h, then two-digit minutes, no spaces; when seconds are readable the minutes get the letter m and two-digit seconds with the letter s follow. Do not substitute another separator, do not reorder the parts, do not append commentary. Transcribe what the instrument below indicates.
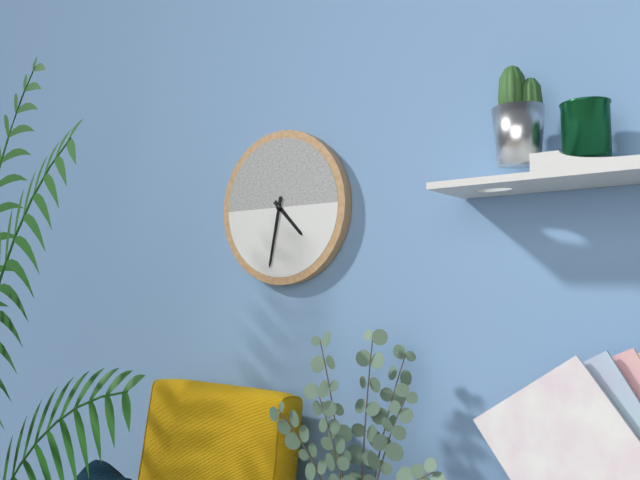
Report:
4h32
